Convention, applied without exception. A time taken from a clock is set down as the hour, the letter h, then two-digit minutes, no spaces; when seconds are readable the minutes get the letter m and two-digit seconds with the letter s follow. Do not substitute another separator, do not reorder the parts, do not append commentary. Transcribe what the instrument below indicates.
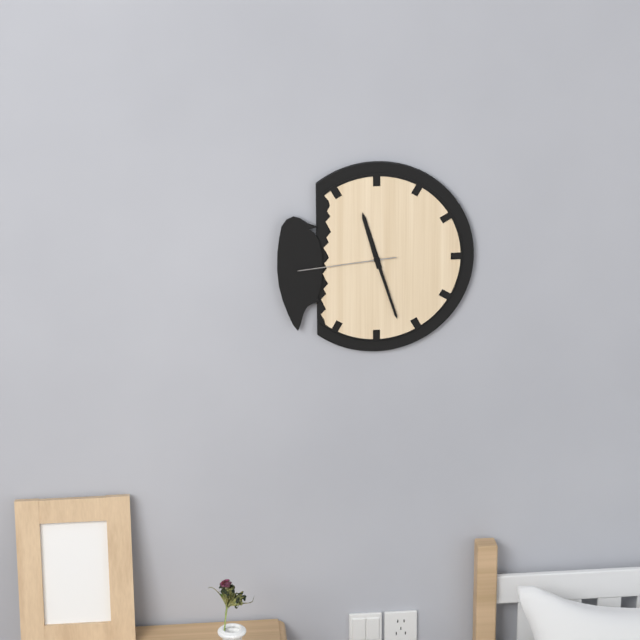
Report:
11h27m44s
